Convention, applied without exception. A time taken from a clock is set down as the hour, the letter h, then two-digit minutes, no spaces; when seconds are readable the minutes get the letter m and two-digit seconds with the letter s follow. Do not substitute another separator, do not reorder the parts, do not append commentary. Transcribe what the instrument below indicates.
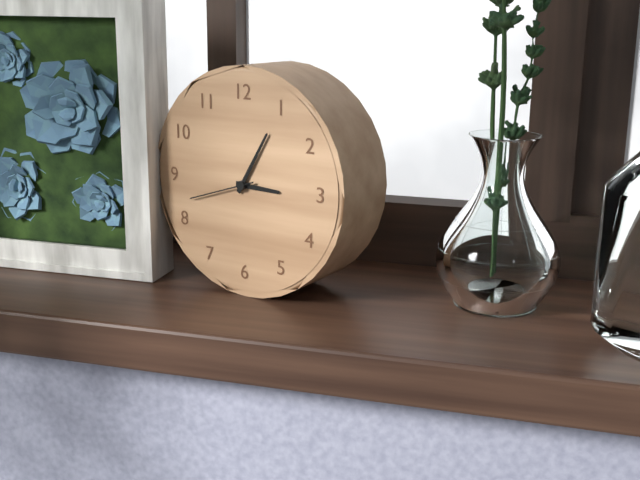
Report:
3h05m42s
